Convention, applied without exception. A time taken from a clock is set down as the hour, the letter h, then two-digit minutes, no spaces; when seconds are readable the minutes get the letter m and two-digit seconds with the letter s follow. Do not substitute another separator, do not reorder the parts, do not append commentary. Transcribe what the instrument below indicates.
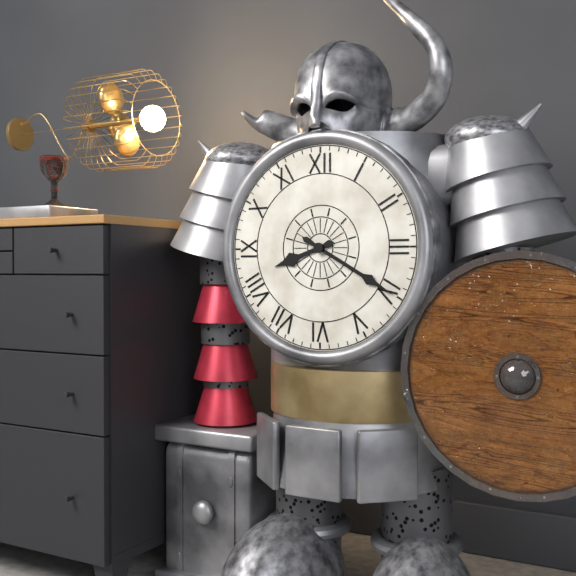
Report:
8h20
